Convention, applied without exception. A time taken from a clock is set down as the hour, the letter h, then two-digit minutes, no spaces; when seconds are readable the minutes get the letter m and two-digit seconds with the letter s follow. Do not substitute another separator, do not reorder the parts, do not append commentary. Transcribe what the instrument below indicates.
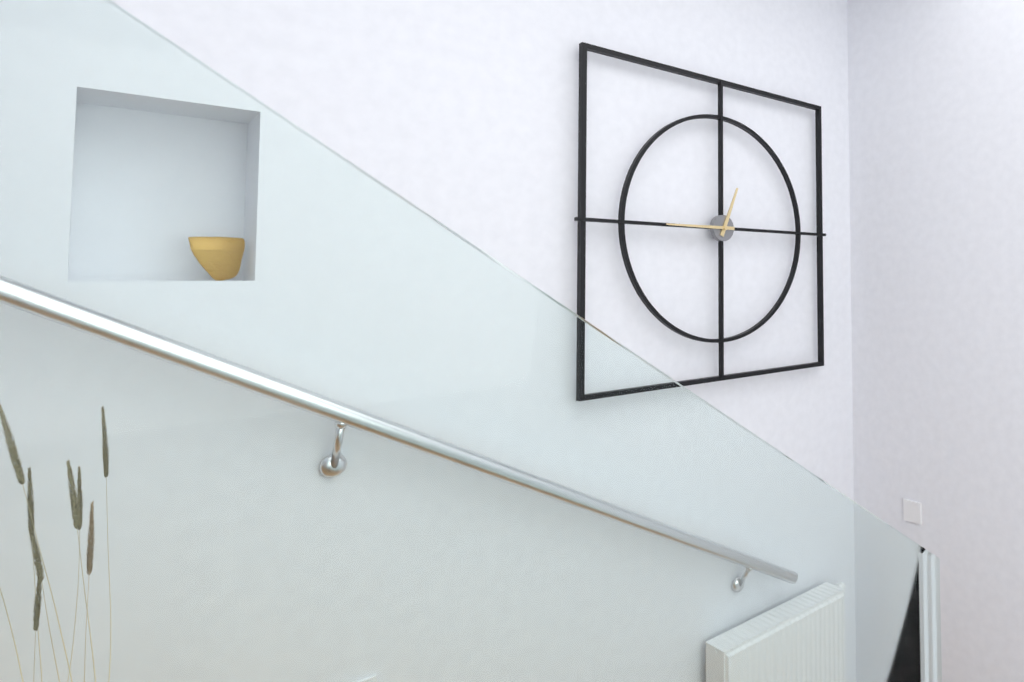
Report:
12h45
